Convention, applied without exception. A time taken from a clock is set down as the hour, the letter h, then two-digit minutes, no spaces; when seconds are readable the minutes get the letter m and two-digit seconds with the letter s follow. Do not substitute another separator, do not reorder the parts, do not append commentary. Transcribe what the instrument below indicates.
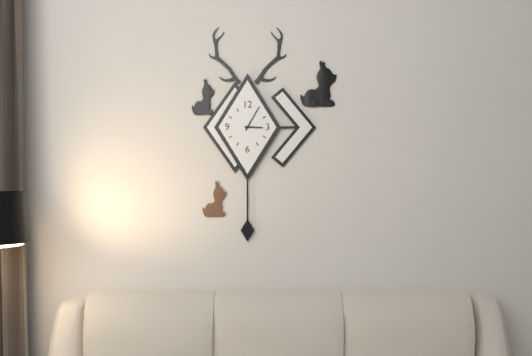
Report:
3h05
